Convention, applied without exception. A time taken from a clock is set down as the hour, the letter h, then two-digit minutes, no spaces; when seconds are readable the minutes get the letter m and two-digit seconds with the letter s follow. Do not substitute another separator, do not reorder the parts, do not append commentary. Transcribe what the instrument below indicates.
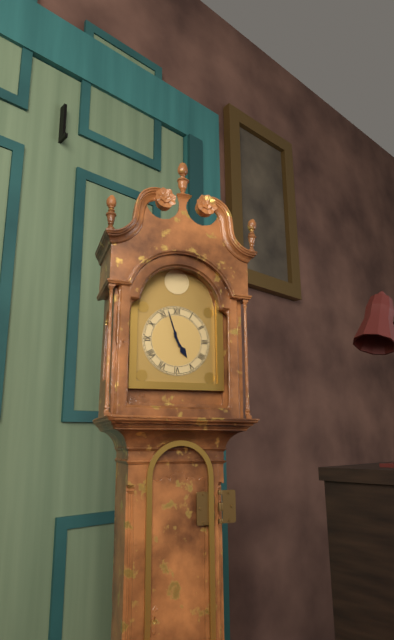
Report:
4h57
